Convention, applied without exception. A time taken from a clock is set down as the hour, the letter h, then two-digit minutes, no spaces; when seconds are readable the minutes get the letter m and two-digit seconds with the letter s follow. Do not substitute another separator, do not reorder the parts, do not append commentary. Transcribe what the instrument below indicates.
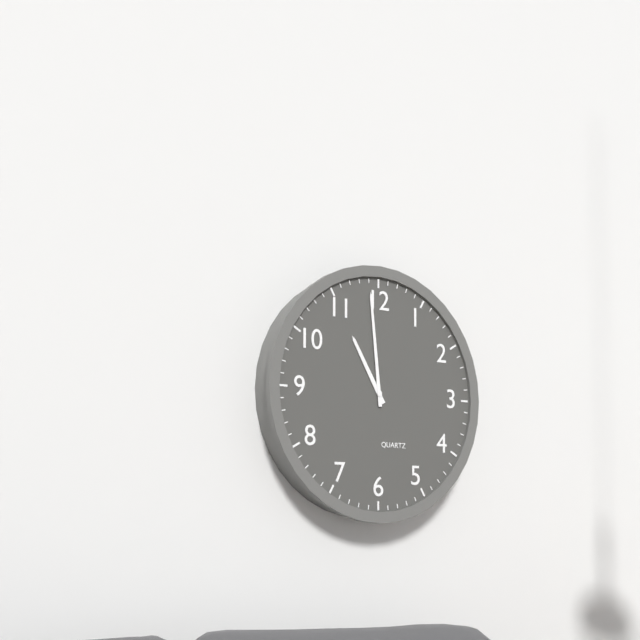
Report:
10h59
